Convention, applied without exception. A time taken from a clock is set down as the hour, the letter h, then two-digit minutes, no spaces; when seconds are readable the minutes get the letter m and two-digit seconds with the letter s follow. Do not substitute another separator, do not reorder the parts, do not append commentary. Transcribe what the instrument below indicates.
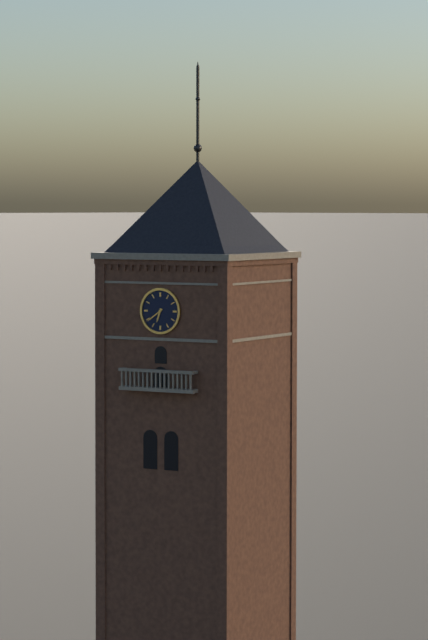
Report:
6h39
